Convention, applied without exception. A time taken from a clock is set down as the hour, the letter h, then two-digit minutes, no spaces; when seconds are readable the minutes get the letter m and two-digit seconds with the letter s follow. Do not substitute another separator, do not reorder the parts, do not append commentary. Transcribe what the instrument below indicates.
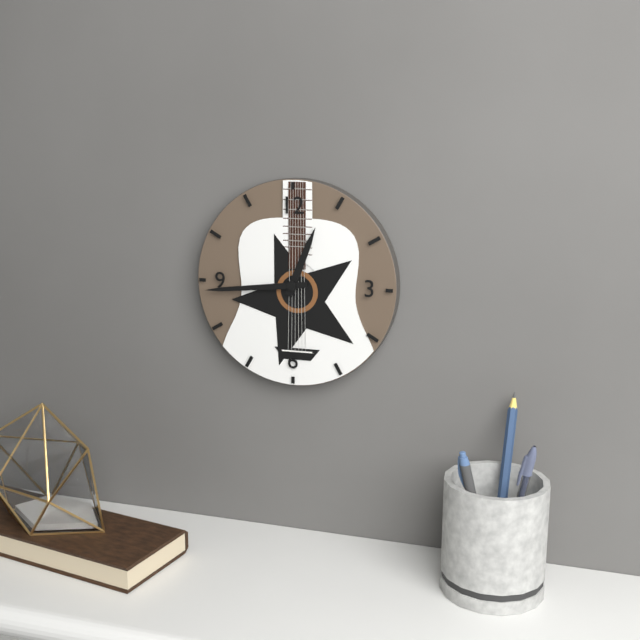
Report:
12h44
